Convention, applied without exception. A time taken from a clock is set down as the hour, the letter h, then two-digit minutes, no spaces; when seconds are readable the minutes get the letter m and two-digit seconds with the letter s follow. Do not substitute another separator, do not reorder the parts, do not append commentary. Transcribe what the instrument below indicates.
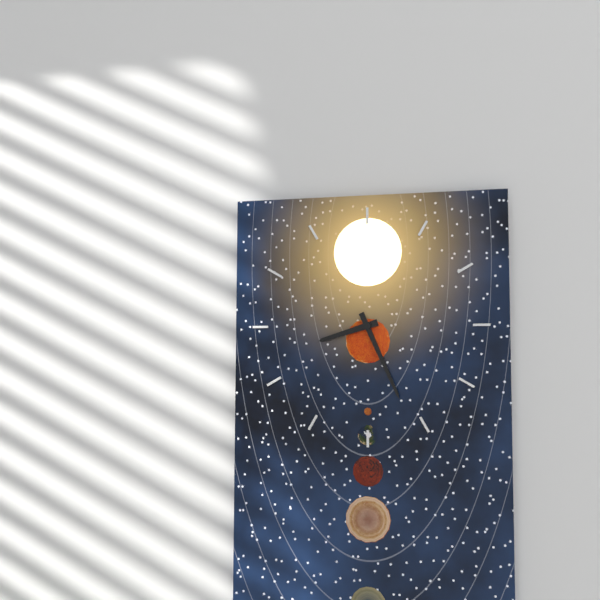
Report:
8h26
